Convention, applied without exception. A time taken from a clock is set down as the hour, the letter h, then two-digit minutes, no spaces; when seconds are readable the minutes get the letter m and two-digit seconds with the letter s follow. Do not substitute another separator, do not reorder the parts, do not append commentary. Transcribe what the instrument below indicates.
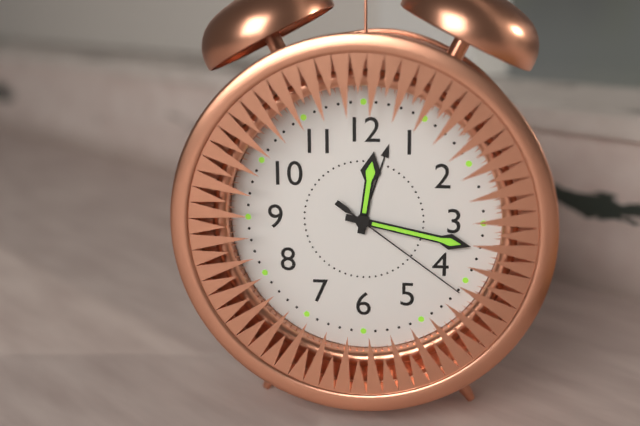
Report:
12h17m21s
